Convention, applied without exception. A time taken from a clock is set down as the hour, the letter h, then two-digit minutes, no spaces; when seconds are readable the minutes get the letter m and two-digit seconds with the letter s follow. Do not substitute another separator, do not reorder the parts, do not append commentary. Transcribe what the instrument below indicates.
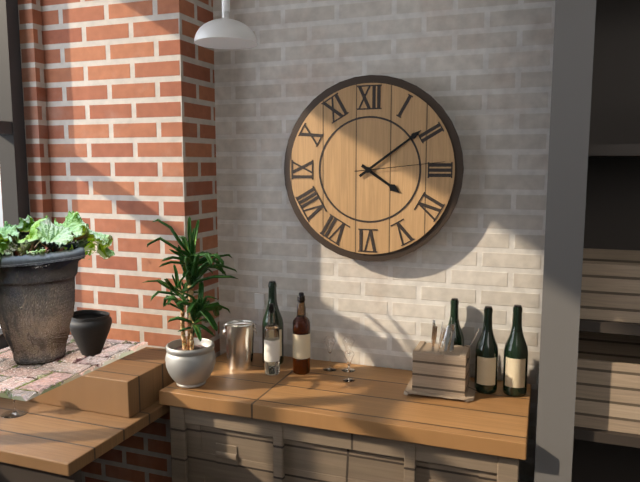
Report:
4h09m14s
